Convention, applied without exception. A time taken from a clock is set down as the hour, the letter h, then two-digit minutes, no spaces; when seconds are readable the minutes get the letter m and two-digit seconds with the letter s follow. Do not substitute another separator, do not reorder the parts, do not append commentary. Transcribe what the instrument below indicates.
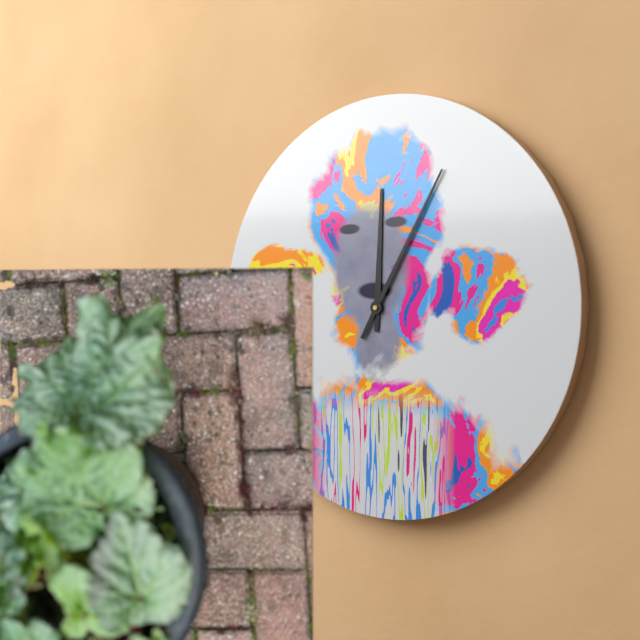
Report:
12h05
